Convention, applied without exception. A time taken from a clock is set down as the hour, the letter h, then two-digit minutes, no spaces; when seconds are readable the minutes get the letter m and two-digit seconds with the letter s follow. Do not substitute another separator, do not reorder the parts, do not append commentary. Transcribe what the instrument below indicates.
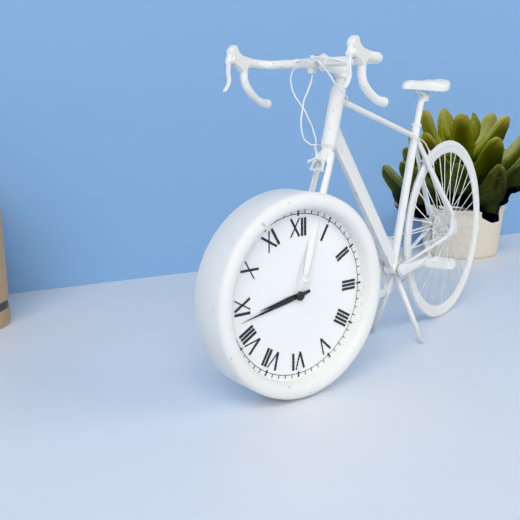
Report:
8h43
